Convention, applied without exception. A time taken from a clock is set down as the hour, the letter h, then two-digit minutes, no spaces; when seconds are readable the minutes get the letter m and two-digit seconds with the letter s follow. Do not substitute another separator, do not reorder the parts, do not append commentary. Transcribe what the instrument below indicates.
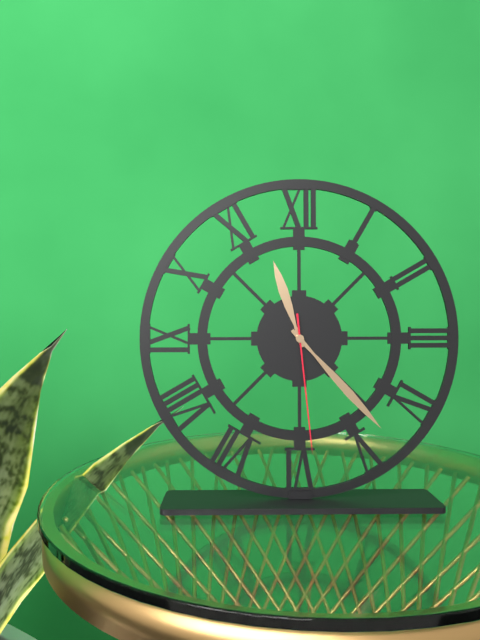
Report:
11h23m29s
